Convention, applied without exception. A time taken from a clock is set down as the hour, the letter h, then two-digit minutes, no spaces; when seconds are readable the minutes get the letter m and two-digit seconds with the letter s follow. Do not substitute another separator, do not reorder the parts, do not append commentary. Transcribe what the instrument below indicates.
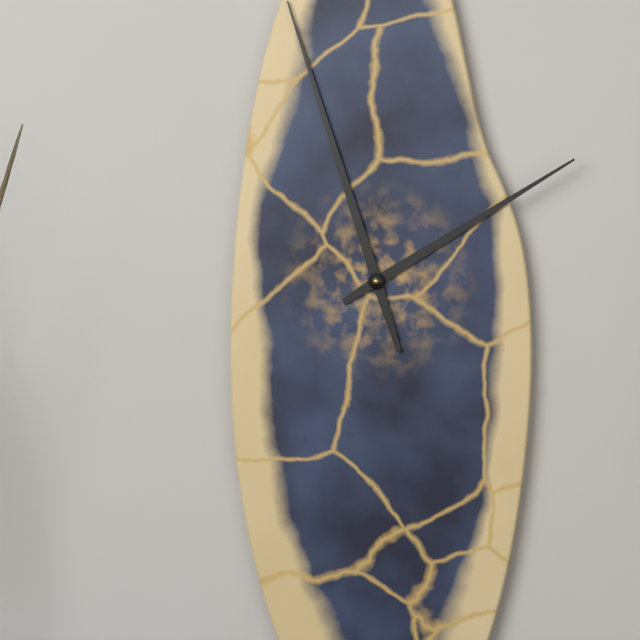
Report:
1h57
